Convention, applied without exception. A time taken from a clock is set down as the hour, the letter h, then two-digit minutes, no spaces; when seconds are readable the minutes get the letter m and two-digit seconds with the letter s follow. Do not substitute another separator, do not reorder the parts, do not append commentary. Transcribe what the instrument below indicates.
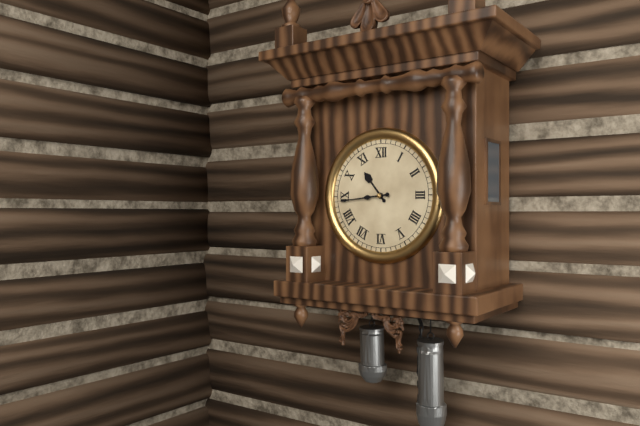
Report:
10h44
